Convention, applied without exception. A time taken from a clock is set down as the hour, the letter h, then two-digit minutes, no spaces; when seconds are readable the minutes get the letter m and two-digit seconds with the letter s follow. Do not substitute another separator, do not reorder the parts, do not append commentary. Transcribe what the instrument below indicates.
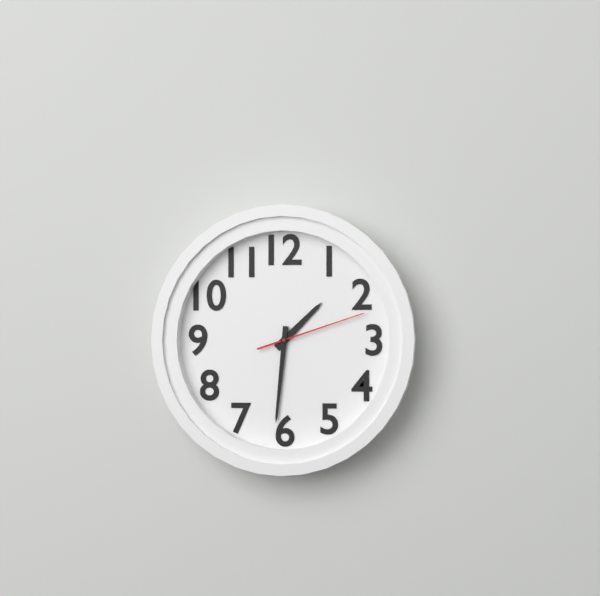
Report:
1h31m12s
